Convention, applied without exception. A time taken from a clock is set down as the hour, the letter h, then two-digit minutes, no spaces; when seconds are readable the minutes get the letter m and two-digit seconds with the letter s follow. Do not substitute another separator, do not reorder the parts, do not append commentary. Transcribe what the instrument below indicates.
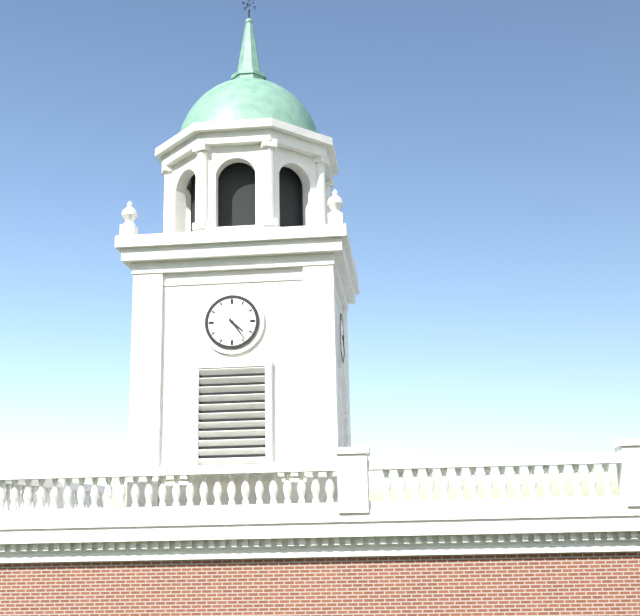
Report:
4h24
